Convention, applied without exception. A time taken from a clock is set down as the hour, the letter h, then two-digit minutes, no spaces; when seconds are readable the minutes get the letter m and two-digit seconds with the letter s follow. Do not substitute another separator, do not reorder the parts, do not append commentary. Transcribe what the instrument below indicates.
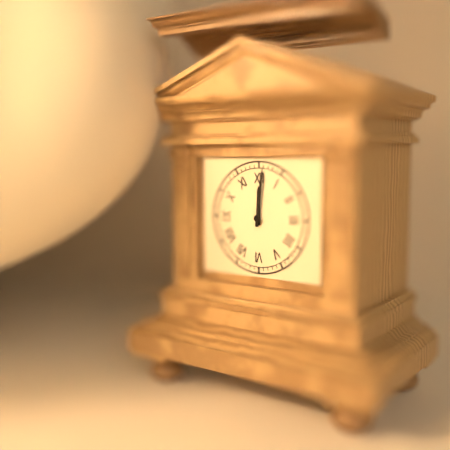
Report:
12h01
